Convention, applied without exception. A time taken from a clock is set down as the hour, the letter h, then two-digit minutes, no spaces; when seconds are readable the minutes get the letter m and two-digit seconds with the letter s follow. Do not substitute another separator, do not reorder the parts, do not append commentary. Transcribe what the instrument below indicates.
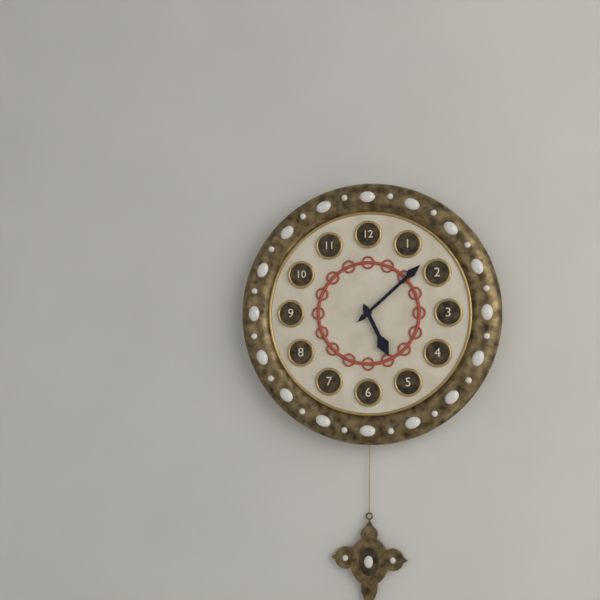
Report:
5h08
